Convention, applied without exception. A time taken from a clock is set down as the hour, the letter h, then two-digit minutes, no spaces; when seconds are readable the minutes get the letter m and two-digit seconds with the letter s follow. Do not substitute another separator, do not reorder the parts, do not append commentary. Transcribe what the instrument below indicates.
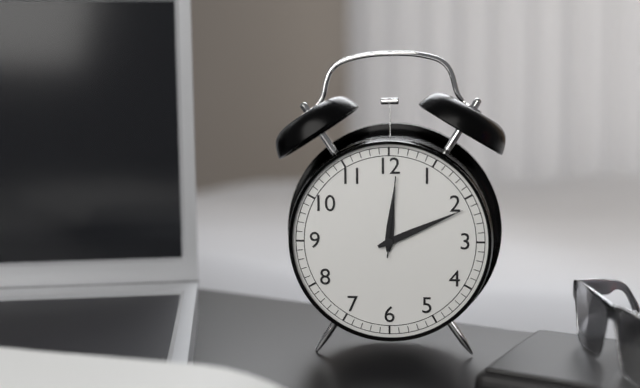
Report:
12h11m01s
